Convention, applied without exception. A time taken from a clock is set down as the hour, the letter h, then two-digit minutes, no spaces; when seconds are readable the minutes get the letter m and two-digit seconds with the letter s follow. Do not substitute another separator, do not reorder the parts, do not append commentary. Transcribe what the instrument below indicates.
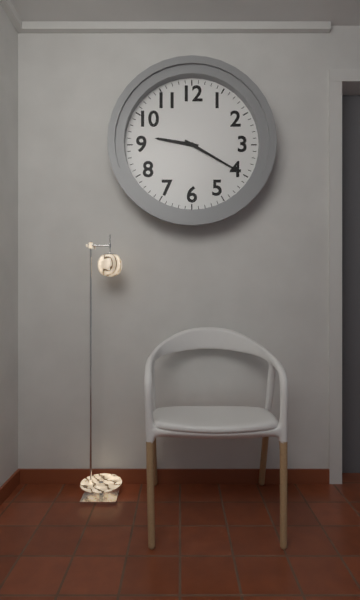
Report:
9h20
